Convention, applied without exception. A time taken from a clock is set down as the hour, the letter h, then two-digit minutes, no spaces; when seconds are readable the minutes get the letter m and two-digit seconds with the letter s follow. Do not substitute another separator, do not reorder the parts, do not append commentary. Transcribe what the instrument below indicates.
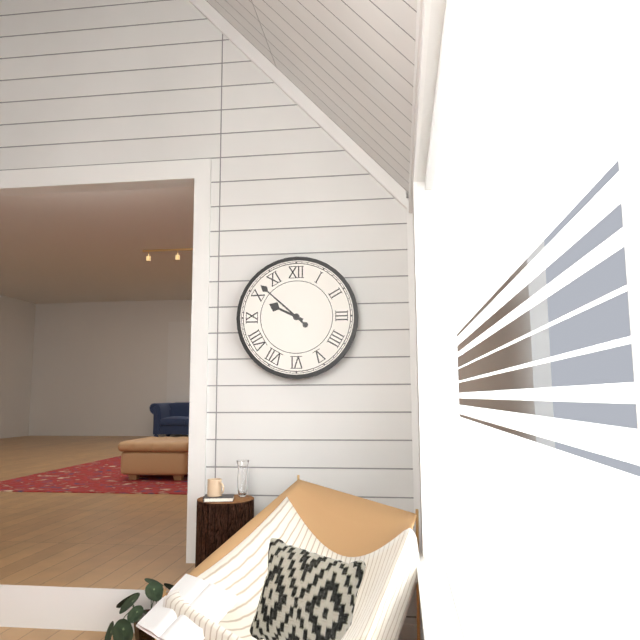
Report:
9h52
